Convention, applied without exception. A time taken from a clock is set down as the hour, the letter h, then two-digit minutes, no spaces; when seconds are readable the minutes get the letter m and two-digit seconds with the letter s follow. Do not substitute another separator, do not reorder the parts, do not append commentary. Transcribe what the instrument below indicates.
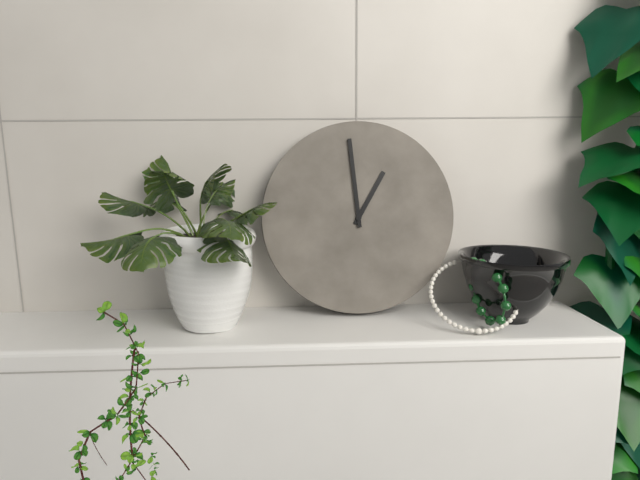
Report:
12h59
